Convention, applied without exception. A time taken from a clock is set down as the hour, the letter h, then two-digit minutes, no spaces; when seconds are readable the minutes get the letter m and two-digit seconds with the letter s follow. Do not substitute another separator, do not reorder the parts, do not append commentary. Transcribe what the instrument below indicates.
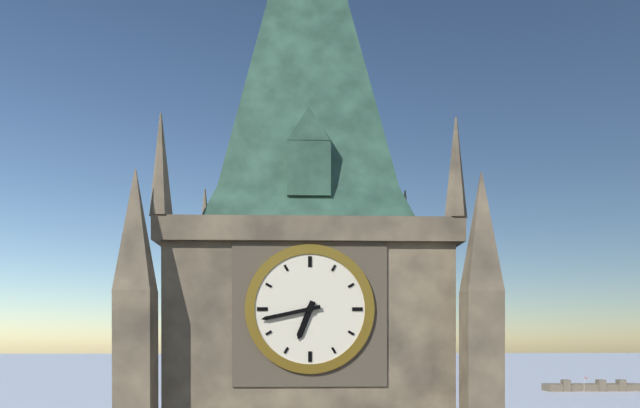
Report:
6h43
